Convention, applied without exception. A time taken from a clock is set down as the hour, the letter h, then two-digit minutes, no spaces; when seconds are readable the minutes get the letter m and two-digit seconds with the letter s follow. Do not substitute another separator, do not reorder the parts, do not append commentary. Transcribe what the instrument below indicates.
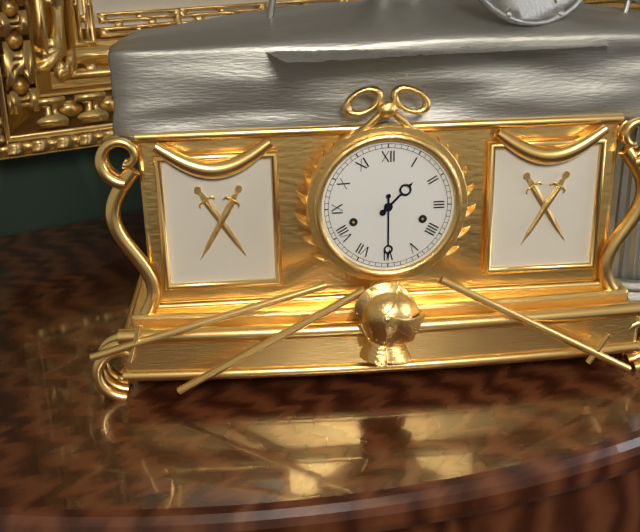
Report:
1h30
